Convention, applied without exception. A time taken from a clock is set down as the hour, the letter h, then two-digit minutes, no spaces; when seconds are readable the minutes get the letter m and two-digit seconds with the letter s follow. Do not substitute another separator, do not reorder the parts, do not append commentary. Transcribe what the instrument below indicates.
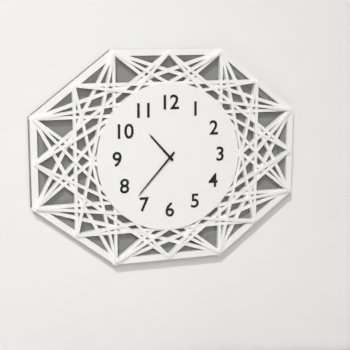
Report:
10h37
